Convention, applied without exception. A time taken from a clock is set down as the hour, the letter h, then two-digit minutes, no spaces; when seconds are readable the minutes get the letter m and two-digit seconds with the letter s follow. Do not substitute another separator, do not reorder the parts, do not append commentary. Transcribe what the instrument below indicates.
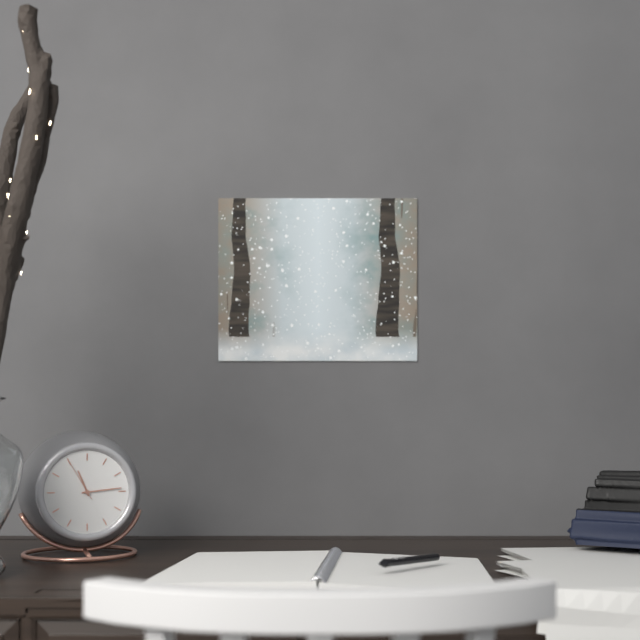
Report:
11h14
